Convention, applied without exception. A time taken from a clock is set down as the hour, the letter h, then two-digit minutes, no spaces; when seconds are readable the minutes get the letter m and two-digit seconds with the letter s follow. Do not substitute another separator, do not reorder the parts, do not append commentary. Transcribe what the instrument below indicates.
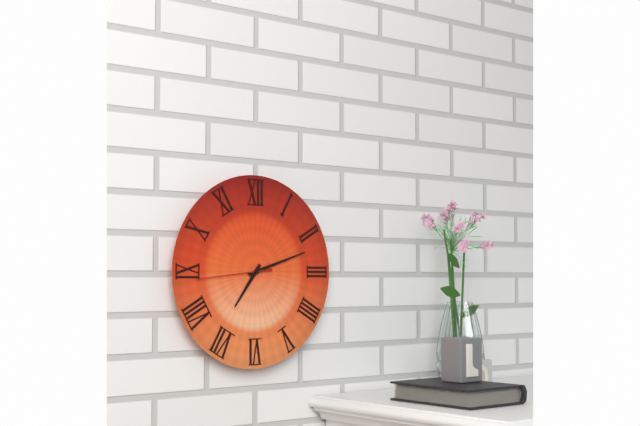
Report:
7h12m44s
